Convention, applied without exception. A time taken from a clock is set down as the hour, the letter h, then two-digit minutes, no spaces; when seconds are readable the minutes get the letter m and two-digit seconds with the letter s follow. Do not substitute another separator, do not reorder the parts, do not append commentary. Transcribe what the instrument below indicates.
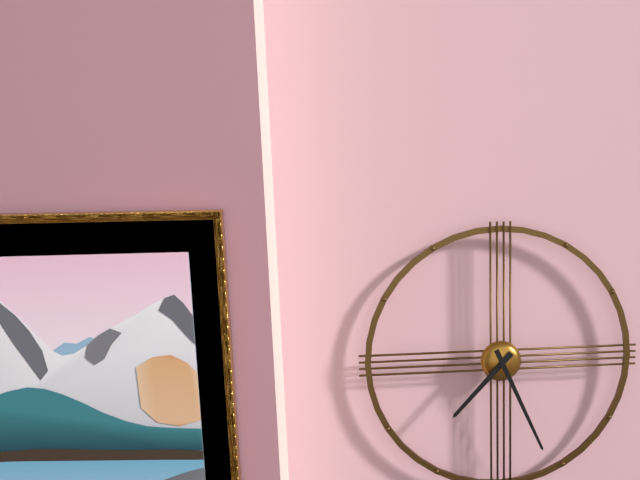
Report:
7h26
